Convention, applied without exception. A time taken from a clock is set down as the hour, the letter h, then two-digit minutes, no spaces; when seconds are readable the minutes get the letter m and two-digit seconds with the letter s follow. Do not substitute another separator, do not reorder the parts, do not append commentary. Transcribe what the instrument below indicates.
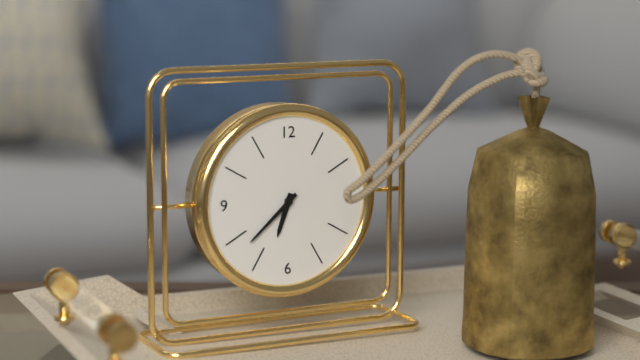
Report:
6h38
